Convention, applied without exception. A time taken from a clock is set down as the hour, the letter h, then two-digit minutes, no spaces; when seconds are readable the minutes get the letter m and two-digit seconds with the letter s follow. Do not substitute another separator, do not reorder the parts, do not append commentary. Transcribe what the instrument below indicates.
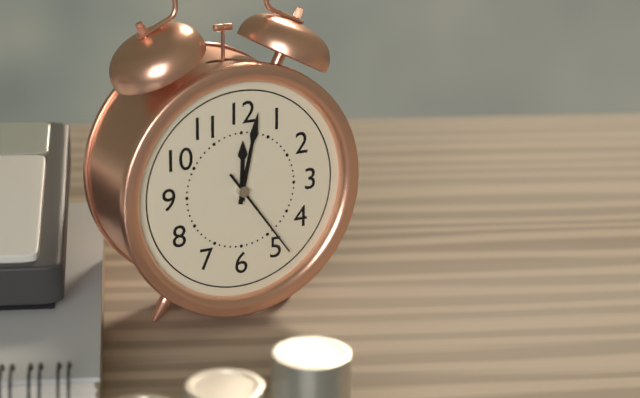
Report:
12h02m24s
